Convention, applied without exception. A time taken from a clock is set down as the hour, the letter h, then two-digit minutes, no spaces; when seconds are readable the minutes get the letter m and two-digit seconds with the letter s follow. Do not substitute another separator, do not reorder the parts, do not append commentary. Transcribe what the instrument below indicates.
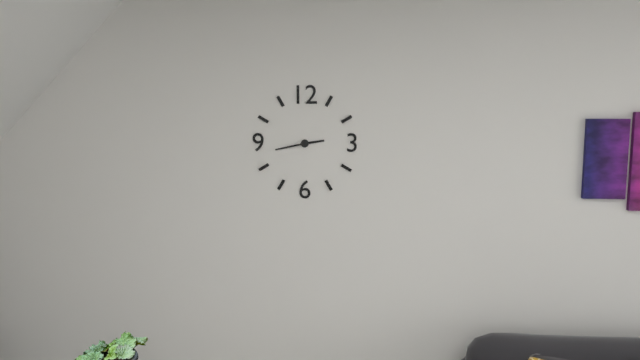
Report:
2h43
